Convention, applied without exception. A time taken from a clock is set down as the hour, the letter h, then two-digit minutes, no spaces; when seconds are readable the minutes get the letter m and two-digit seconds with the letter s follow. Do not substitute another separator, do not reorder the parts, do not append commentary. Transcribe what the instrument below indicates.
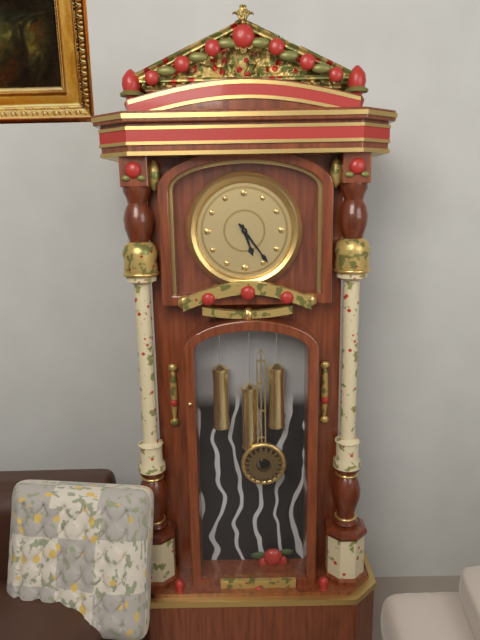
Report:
5h24
